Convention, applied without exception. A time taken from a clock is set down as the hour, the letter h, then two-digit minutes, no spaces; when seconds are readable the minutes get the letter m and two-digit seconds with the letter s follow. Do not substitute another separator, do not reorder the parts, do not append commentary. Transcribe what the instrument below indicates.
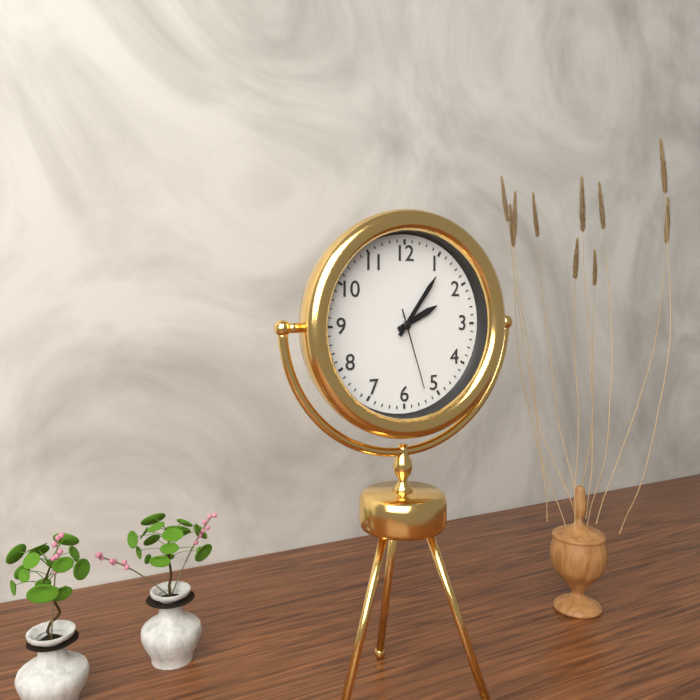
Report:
2h06m27s
